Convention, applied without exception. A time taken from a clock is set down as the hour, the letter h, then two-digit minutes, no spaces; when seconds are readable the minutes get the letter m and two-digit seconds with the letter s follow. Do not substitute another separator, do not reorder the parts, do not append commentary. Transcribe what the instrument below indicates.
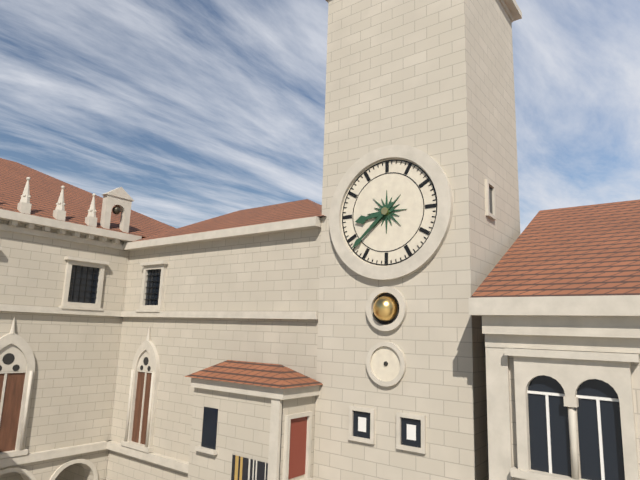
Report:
8h38
